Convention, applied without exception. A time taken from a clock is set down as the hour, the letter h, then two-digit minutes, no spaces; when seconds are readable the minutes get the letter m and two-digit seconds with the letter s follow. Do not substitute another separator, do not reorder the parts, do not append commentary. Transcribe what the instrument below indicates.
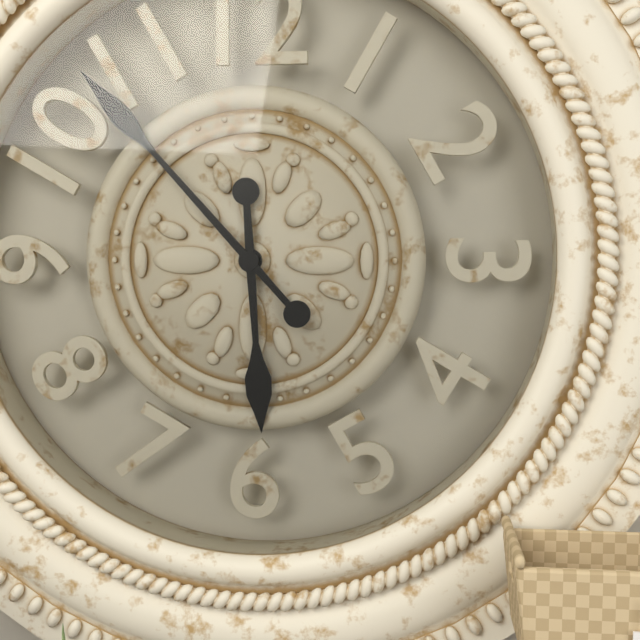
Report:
5h53
